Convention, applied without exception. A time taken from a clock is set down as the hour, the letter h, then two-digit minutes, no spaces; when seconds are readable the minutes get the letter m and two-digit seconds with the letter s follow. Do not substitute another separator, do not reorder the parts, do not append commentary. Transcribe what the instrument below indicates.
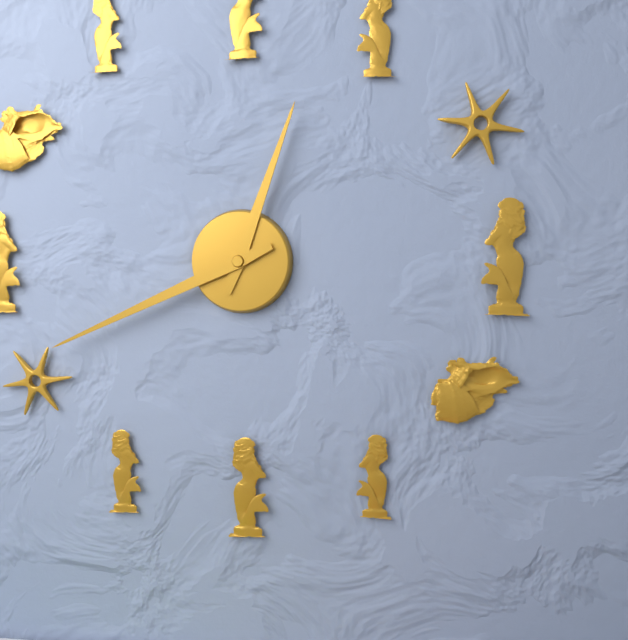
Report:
12h41
